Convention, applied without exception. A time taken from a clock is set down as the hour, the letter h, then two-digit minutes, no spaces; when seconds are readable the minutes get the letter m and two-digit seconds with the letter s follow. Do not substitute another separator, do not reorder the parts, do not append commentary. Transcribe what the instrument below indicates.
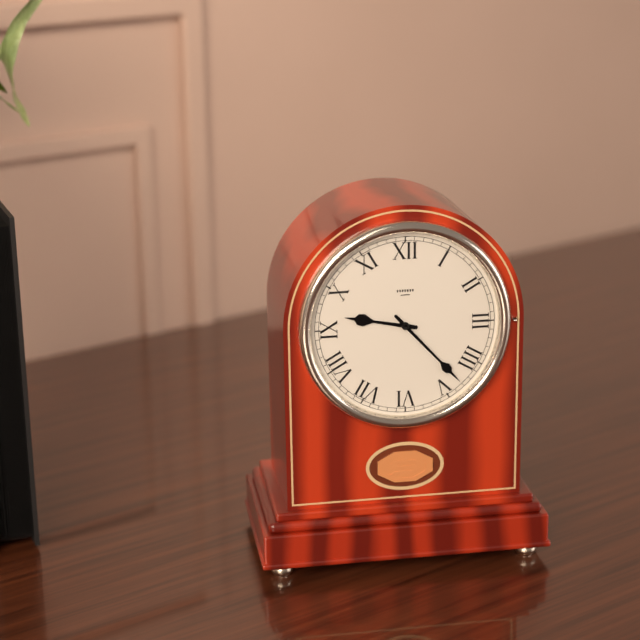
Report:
9h23
